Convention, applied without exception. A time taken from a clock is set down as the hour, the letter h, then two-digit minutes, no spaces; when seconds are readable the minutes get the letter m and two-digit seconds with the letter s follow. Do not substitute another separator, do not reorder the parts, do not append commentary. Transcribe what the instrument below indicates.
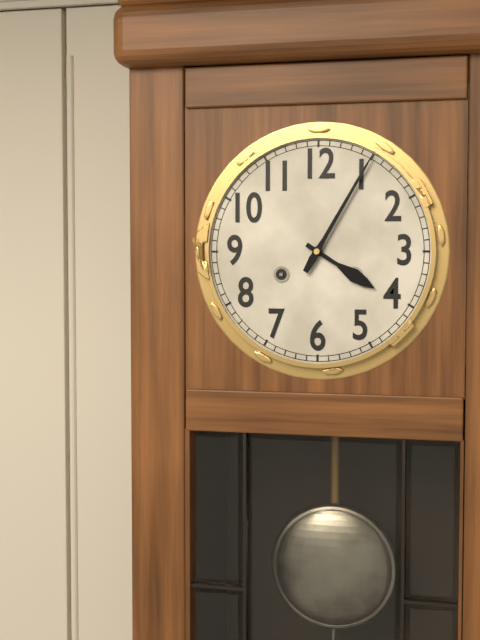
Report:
4h05
